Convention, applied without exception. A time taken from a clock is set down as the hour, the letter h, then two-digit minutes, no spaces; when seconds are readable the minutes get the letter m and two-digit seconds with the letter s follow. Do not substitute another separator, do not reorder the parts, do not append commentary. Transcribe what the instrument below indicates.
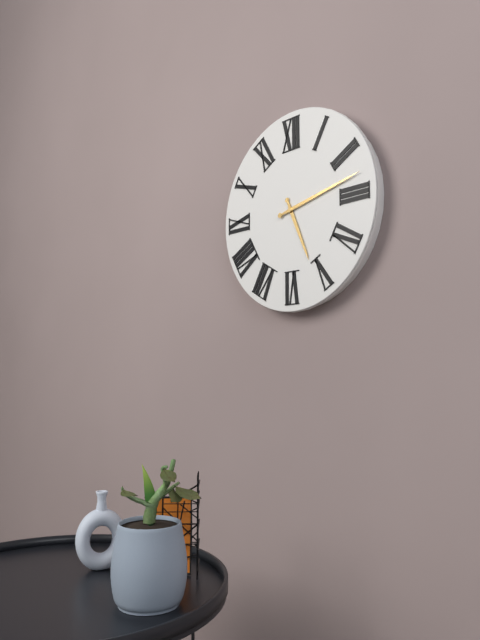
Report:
5h13
